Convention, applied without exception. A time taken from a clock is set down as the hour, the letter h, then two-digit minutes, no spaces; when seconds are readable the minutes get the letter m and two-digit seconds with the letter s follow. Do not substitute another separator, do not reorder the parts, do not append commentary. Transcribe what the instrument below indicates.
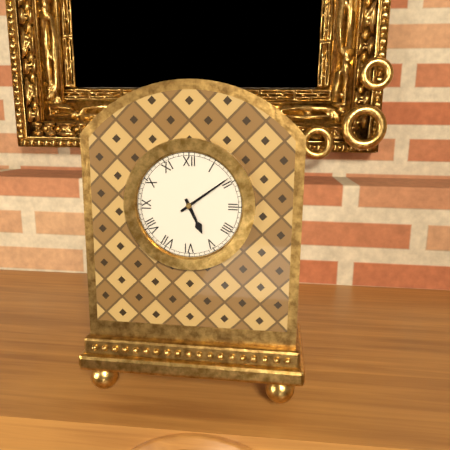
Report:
5h09
